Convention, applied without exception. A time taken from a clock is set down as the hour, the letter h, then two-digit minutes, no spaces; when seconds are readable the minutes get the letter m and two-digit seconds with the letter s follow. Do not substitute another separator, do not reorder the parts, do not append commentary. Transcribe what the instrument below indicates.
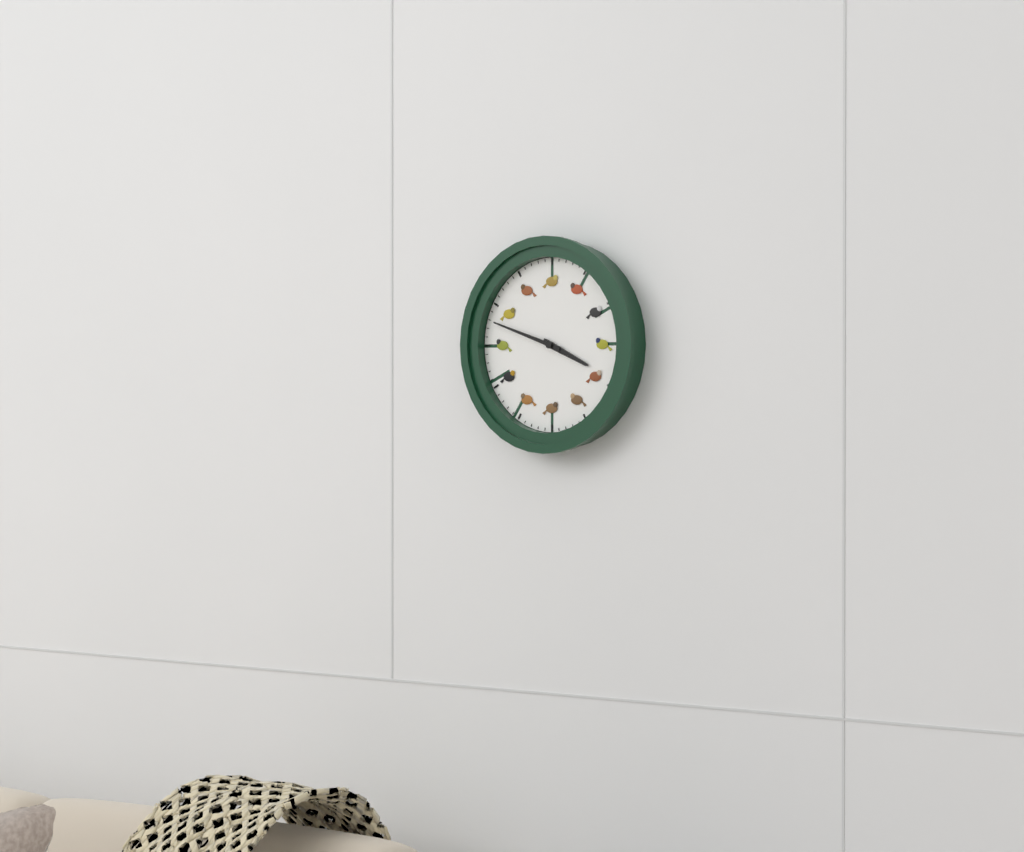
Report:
3h48
